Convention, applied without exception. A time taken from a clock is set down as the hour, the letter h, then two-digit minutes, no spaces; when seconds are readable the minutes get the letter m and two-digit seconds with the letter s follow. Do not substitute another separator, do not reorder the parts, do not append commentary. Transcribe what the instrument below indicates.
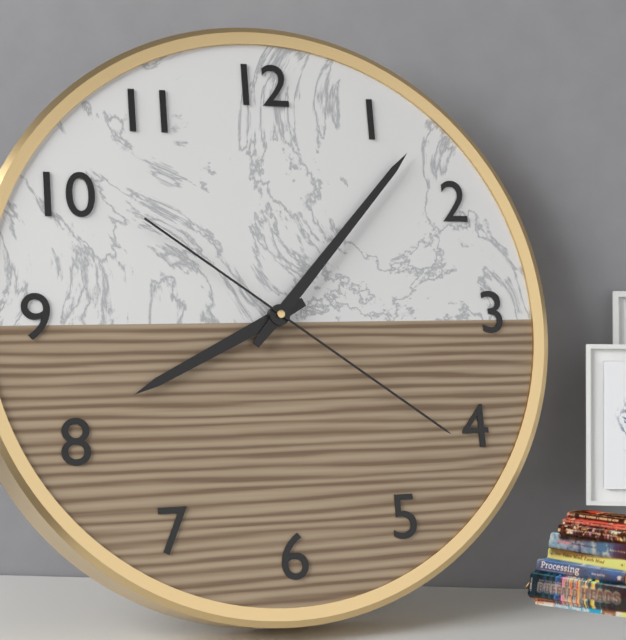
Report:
8h07m21s
